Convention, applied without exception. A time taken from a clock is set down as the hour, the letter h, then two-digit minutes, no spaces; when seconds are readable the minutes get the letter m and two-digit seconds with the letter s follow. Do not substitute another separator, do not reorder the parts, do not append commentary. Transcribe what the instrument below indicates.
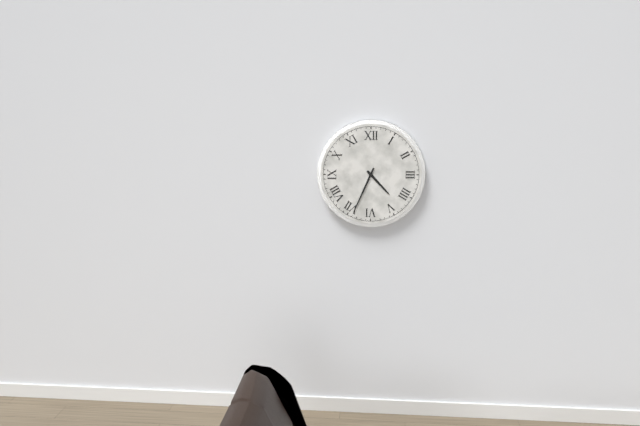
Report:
4h34
